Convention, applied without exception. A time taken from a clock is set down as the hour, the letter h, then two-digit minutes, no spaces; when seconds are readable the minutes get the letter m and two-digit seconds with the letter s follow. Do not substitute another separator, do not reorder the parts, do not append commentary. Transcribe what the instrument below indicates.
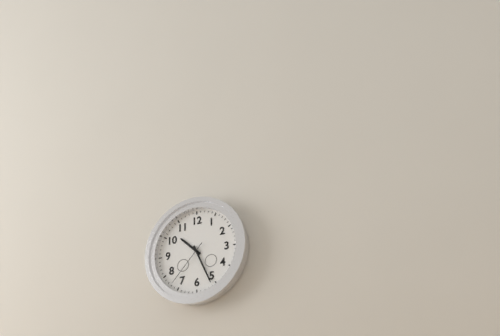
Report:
10h26m37s
